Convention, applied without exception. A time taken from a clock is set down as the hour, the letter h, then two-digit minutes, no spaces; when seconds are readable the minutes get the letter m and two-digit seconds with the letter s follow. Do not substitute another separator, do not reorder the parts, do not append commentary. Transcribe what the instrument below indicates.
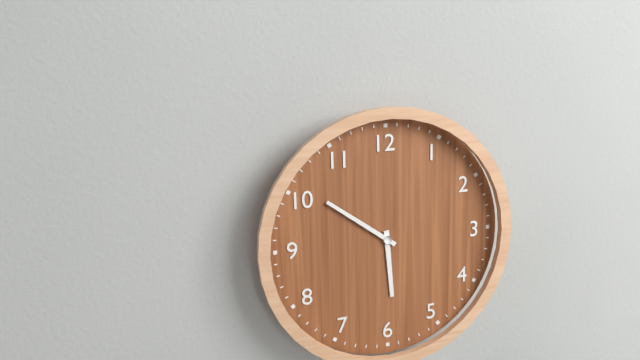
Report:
5h51
